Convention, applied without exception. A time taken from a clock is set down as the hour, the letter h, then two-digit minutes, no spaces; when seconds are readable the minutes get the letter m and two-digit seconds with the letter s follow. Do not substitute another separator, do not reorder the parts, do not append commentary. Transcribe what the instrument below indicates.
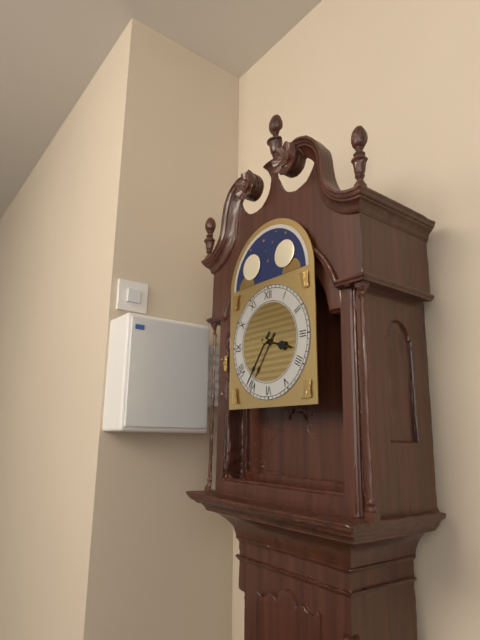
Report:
3h36
